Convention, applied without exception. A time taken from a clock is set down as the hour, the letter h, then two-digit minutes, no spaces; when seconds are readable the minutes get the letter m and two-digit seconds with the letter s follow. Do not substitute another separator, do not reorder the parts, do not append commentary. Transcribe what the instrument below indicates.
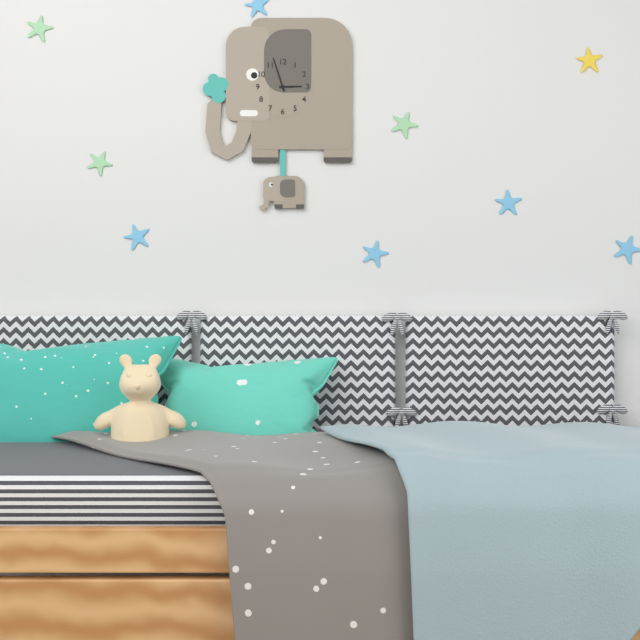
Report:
2h57
